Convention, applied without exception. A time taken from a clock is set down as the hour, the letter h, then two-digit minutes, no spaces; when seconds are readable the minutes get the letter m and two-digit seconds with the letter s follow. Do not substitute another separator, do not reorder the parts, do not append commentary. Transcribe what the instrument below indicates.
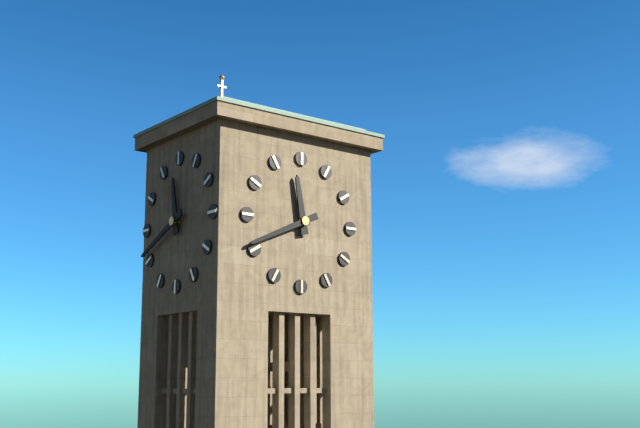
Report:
11h41
